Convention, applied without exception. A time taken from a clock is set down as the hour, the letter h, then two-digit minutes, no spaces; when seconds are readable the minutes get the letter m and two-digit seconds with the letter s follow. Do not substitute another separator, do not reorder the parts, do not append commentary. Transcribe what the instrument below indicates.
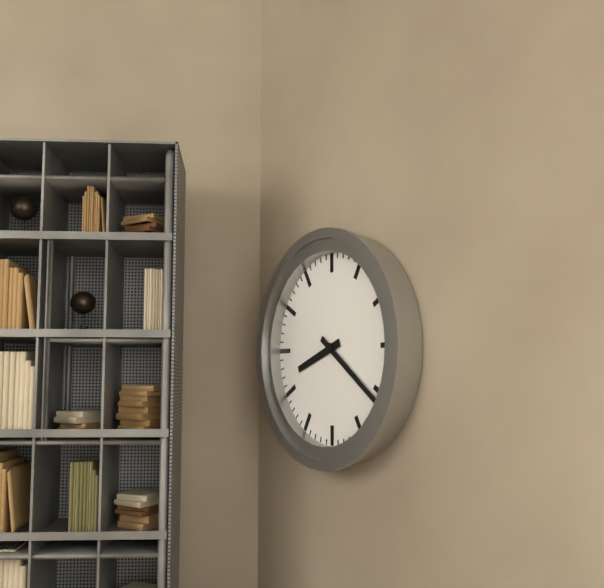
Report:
8h21
